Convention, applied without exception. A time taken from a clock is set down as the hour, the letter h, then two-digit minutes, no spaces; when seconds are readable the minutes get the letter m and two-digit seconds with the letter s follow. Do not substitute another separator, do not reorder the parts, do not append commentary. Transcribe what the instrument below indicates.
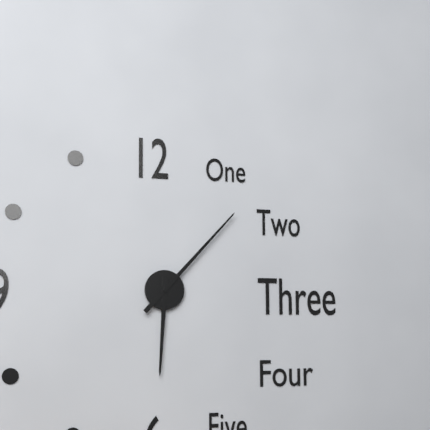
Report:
6h07
